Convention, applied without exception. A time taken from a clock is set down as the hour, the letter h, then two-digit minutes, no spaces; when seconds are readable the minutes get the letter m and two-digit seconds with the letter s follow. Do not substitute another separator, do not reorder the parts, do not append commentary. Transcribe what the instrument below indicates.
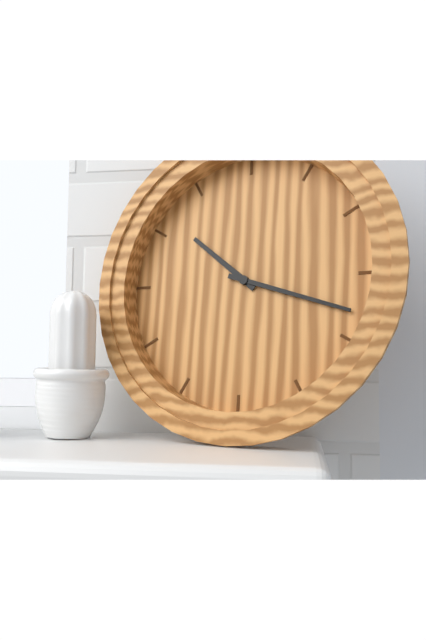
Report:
10h18
